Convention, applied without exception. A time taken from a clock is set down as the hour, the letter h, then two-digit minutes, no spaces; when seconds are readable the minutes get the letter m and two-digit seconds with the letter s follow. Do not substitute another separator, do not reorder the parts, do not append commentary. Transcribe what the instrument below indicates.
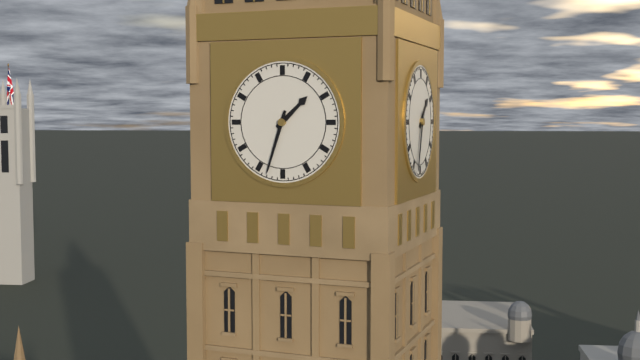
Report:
1h33
